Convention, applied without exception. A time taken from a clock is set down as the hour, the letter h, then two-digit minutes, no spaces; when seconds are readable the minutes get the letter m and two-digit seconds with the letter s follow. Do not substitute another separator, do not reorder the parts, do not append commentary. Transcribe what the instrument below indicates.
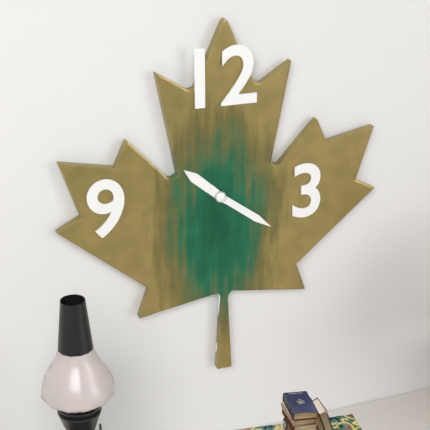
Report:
10h21
